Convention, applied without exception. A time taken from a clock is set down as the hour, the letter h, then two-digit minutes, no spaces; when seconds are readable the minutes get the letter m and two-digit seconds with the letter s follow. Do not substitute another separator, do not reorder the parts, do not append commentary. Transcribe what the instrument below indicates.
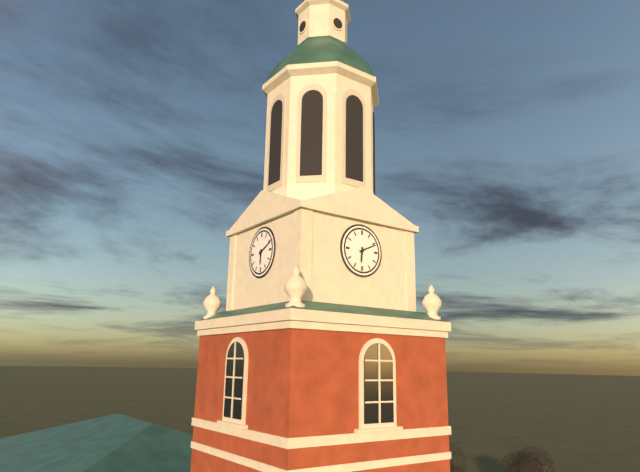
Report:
6h11
